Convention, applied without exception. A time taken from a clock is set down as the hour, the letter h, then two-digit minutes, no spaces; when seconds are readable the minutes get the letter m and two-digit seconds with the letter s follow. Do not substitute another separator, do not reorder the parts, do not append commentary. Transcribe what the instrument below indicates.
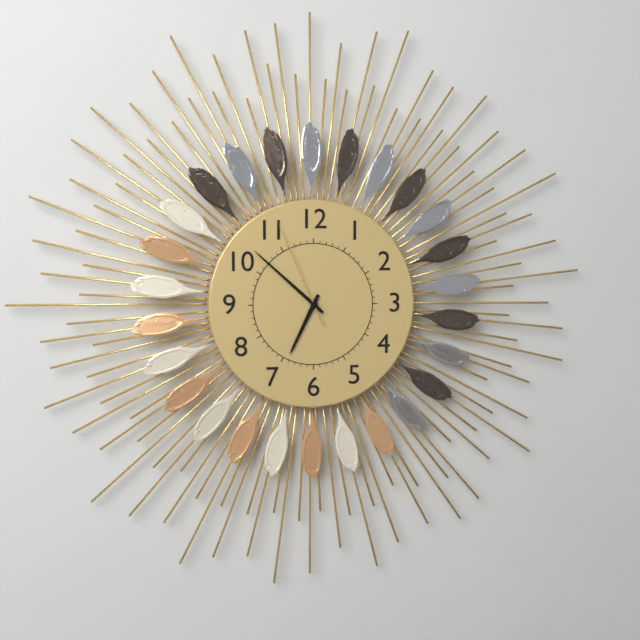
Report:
6h52m56s
